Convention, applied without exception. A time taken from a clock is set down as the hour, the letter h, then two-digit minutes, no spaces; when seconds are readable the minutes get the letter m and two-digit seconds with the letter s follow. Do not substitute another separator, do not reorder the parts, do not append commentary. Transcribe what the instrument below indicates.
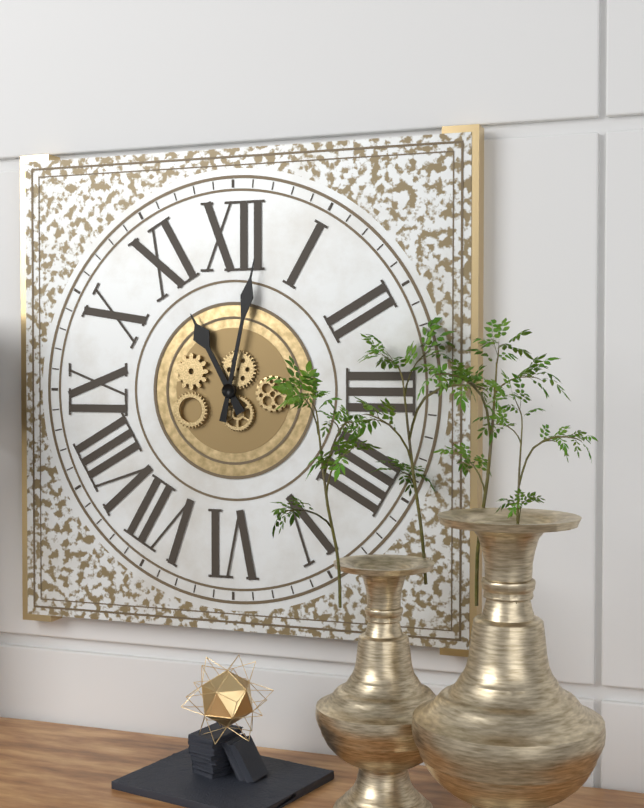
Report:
11h02
